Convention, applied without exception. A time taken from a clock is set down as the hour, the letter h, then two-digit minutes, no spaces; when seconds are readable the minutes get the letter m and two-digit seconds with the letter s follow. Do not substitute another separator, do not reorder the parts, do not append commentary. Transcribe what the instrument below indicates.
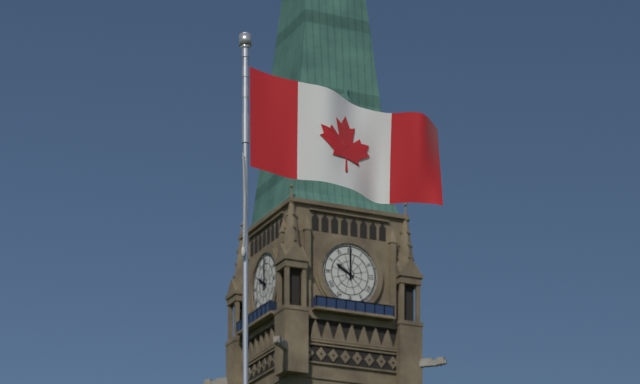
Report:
10h00
